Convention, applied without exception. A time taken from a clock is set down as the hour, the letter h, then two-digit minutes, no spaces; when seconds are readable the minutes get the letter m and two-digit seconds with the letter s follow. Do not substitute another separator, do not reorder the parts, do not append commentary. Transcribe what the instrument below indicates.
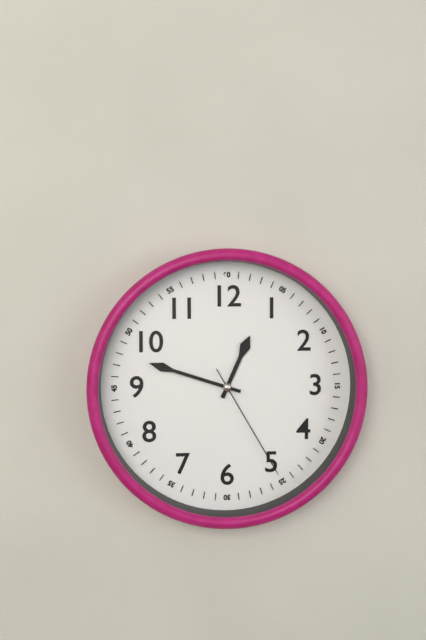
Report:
12h48m25s
